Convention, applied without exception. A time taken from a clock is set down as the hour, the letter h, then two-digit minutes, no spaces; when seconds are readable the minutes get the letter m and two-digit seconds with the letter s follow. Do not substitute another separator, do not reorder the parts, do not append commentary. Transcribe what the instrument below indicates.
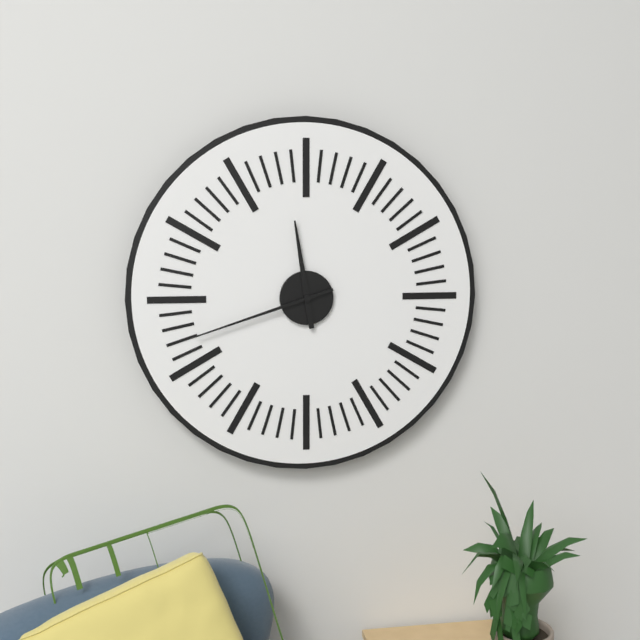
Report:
11h42
